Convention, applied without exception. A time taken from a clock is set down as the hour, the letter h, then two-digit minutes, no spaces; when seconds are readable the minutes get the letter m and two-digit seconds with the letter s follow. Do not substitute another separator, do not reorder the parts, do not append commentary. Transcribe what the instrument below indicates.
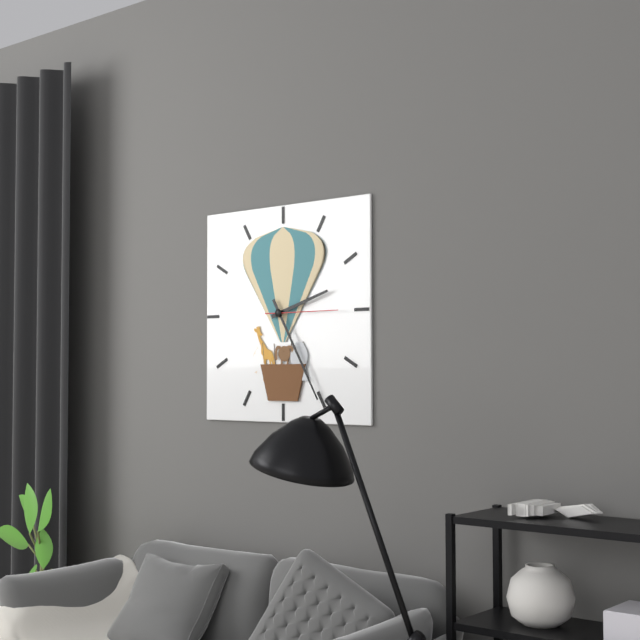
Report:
2h25m15s
